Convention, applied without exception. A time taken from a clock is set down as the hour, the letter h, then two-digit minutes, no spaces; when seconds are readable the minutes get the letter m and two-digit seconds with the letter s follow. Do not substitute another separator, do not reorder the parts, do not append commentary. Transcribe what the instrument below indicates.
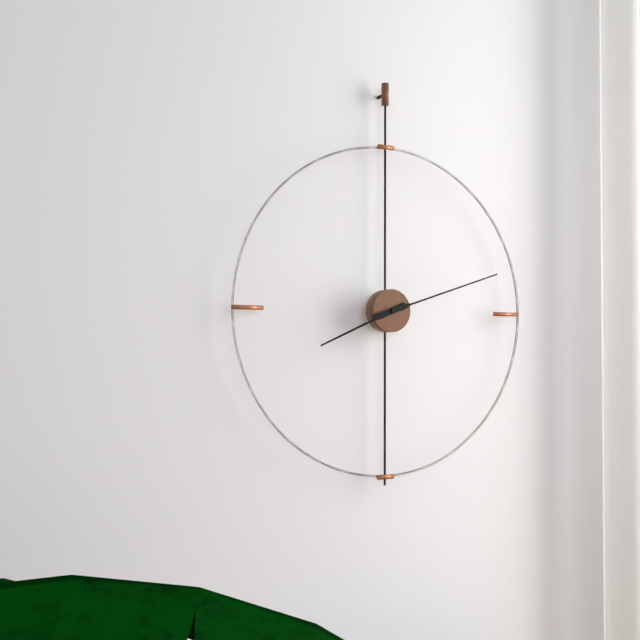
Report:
8h12
